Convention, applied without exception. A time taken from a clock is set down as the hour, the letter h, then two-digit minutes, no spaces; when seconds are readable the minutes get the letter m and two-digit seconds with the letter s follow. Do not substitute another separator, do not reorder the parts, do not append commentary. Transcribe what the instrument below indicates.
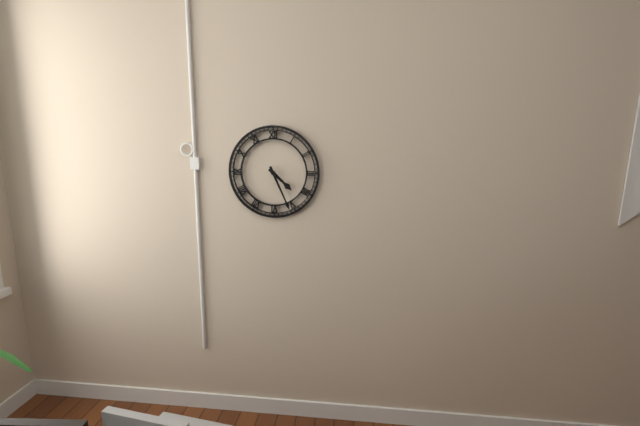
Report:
4h26
